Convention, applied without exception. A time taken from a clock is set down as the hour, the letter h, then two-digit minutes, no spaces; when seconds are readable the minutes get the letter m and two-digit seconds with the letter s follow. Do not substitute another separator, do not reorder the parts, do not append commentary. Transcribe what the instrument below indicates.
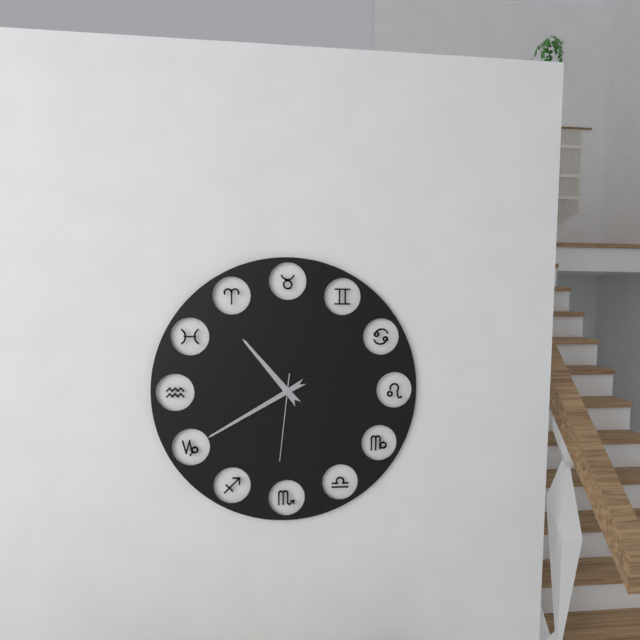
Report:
10h40m31s
